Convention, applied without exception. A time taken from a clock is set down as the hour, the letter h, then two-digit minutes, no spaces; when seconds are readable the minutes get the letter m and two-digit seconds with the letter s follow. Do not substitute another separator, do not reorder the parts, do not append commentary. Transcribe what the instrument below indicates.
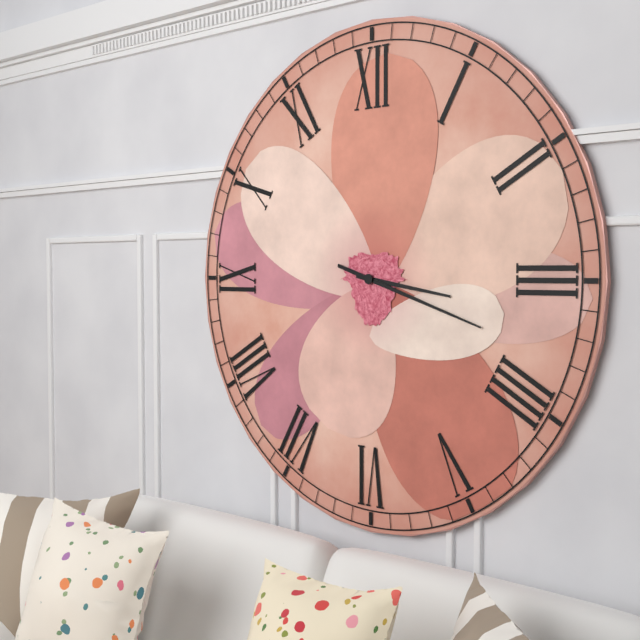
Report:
3h18
